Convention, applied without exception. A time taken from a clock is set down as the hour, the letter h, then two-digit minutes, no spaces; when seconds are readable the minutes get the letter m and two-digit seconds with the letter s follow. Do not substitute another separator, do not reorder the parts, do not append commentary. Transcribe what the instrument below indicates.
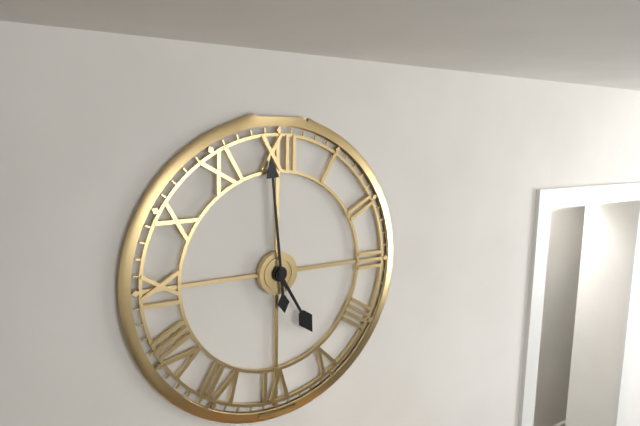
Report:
4h59
